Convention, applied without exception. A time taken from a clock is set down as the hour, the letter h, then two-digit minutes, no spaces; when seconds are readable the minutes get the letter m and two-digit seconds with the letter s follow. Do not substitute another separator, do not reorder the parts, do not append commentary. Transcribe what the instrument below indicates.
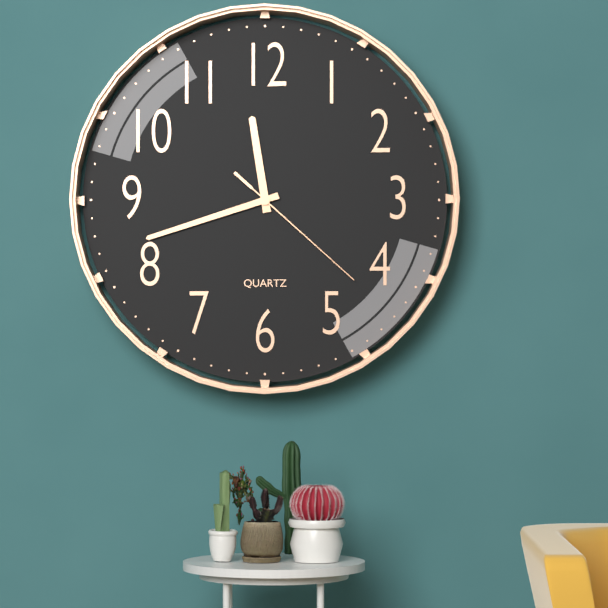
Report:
11h42m22s
